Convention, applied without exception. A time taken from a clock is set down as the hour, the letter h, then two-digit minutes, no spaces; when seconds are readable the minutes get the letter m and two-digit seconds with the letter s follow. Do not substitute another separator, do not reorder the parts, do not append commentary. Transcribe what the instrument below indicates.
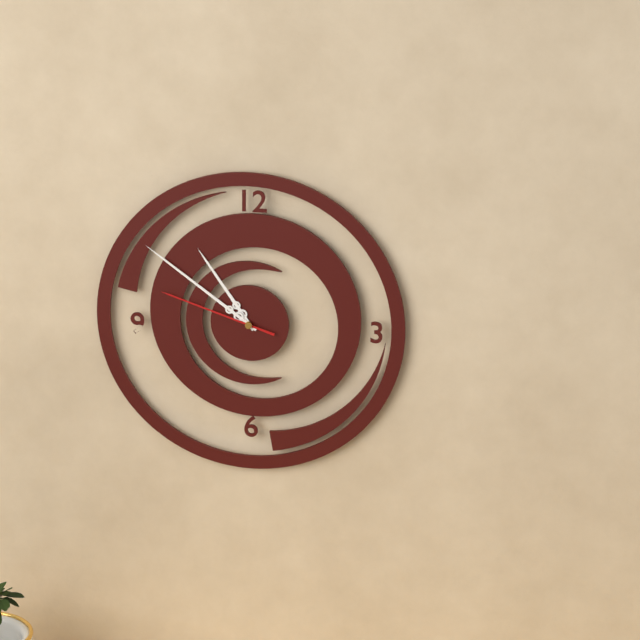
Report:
10h51m48s
